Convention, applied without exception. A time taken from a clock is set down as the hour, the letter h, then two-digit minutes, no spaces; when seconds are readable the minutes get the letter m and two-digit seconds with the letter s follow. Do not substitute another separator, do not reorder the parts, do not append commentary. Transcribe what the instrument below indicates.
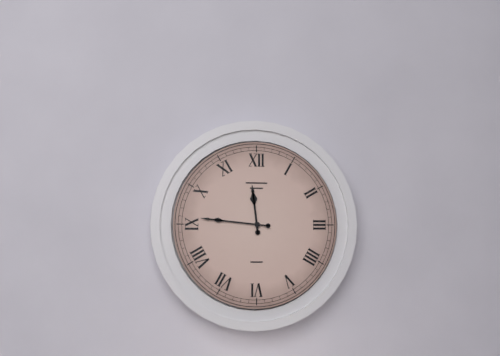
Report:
11h46
